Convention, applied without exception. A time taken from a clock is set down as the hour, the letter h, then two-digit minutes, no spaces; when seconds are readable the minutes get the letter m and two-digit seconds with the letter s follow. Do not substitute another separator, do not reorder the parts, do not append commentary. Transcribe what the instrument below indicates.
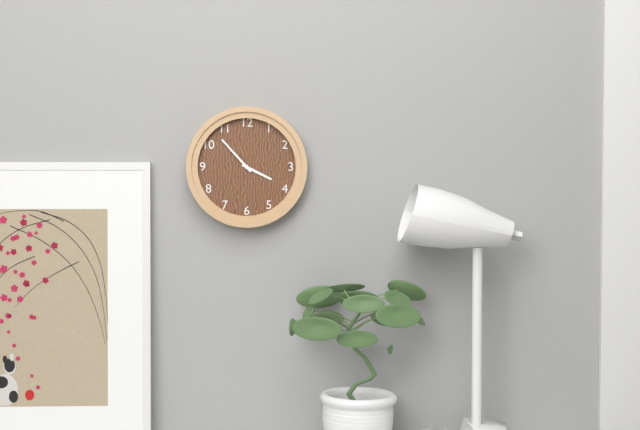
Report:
3h53
